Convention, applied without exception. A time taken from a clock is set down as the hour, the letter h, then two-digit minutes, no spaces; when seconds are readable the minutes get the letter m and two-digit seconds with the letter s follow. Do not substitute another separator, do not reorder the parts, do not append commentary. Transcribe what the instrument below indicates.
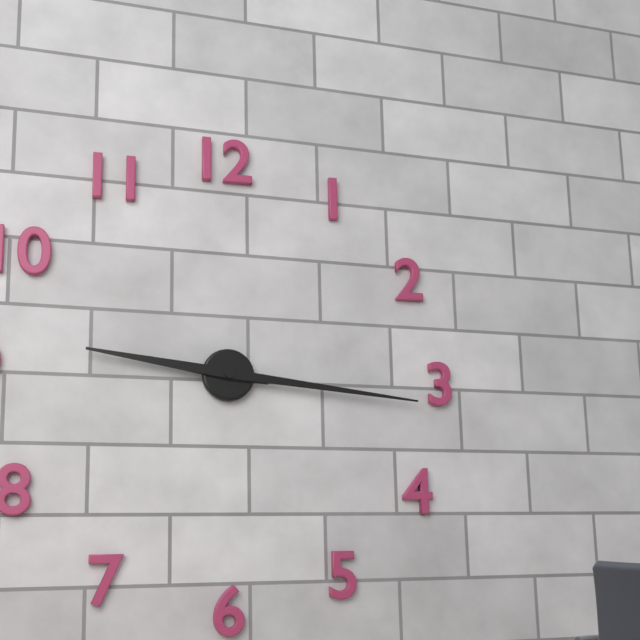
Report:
9h16
